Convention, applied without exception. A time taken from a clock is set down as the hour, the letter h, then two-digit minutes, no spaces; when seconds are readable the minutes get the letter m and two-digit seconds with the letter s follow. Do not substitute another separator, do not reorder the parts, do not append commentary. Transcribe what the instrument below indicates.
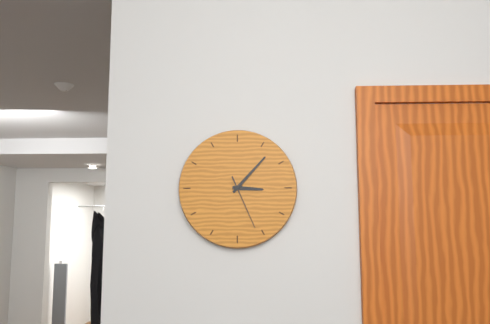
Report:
3h07m26s
